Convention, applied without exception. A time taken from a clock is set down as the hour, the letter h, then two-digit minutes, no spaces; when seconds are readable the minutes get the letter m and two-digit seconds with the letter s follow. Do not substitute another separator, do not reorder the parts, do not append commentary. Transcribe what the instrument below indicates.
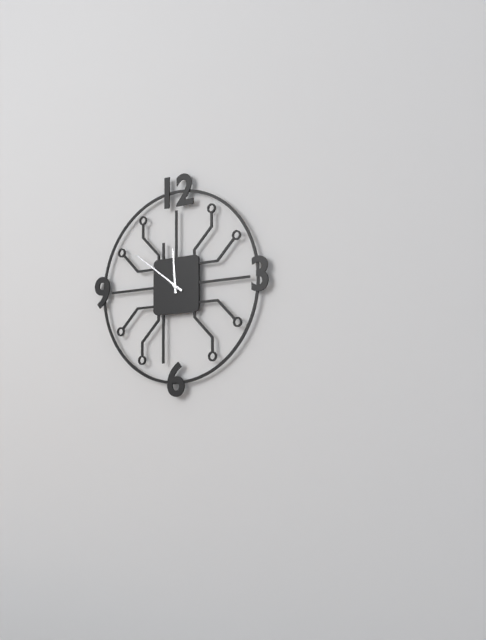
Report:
11h51
